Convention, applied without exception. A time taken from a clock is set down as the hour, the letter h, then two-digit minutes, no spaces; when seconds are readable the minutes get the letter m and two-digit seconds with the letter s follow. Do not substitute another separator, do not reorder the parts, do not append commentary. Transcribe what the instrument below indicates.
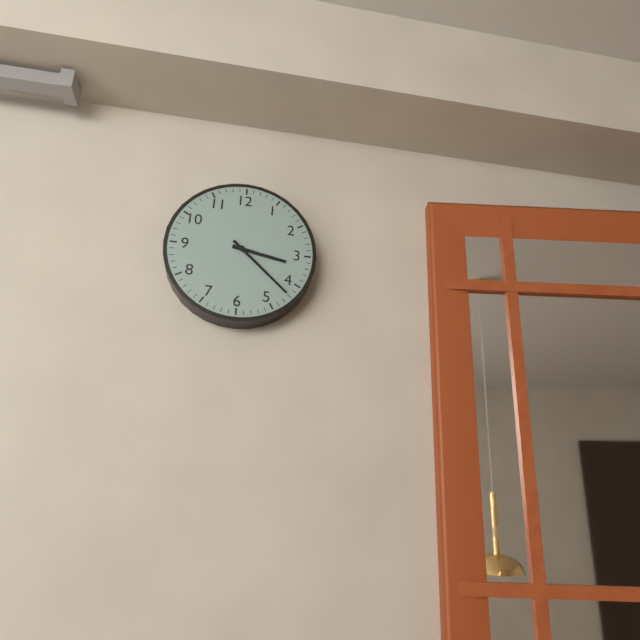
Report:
3h22
